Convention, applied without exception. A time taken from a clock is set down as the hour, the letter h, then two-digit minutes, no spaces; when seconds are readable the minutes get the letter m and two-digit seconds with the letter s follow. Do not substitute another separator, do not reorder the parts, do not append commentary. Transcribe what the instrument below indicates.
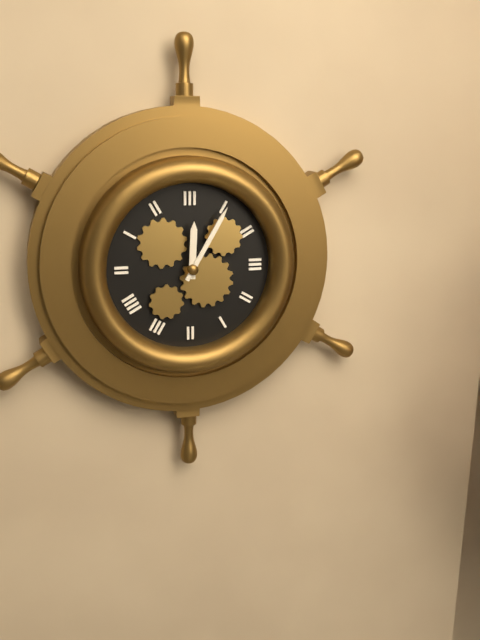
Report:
12h05
